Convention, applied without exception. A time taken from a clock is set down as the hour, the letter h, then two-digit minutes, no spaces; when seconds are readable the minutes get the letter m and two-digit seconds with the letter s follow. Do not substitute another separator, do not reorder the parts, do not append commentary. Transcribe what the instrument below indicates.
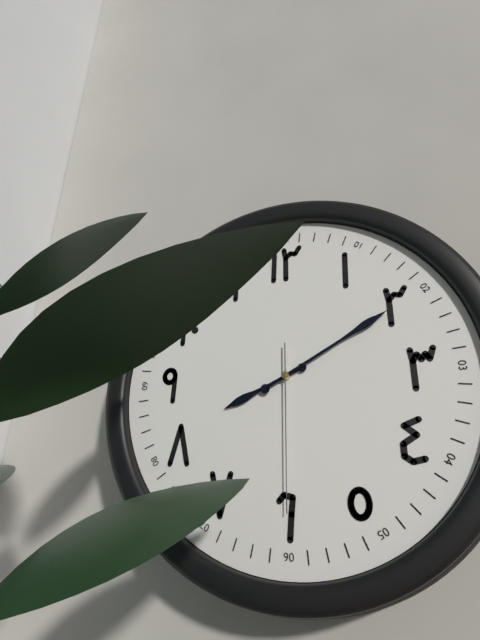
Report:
8h10m30s
